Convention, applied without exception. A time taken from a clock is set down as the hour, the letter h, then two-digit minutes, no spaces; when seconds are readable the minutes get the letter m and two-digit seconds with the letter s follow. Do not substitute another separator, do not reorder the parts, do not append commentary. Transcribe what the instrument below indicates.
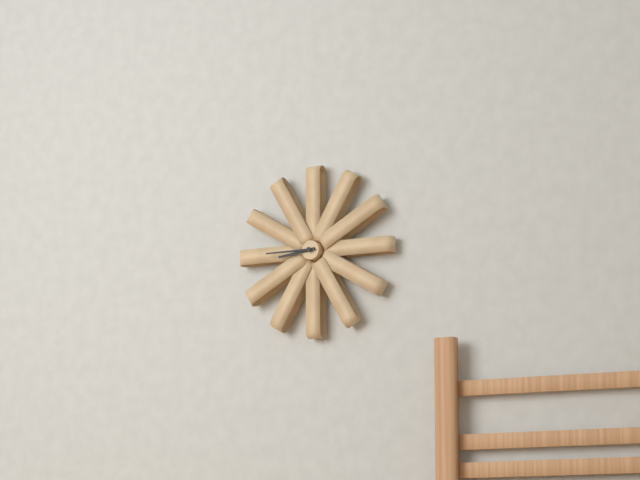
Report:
8h45
